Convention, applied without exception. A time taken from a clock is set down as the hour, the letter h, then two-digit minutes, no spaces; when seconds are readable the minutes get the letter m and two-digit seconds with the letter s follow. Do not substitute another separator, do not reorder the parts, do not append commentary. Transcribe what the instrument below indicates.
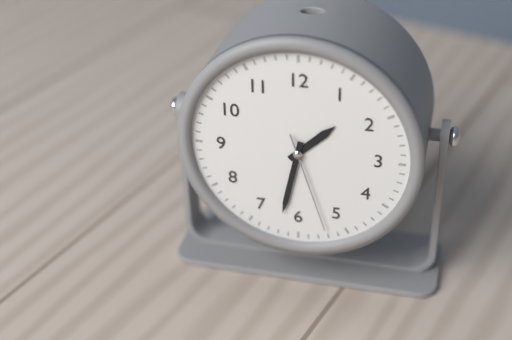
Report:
1h32m27s
